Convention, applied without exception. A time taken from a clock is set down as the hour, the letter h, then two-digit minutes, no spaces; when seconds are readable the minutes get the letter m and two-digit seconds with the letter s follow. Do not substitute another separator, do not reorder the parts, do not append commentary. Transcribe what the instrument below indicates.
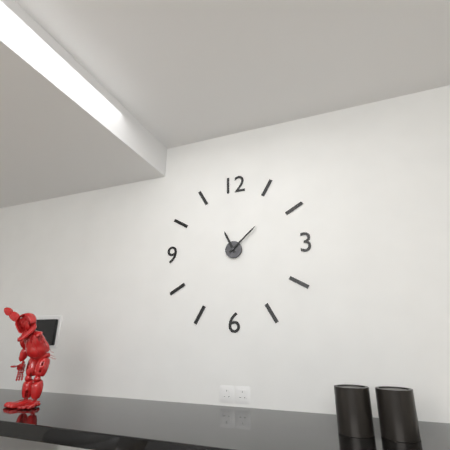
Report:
11h08
